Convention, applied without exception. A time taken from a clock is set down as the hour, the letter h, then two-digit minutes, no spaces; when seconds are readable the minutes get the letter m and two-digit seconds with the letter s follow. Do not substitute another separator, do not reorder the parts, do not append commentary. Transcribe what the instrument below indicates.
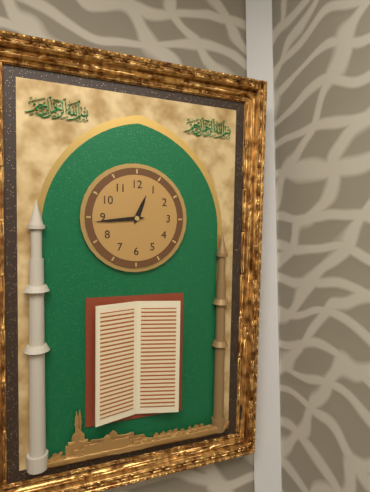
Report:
12h44
